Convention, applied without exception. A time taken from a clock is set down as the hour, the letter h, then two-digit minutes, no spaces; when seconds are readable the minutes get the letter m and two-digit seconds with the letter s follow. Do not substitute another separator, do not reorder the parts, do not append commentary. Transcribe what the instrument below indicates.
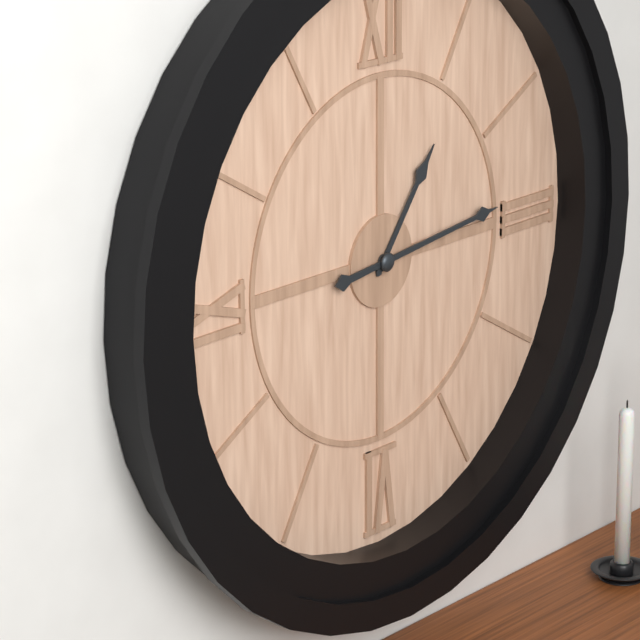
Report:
1h14
